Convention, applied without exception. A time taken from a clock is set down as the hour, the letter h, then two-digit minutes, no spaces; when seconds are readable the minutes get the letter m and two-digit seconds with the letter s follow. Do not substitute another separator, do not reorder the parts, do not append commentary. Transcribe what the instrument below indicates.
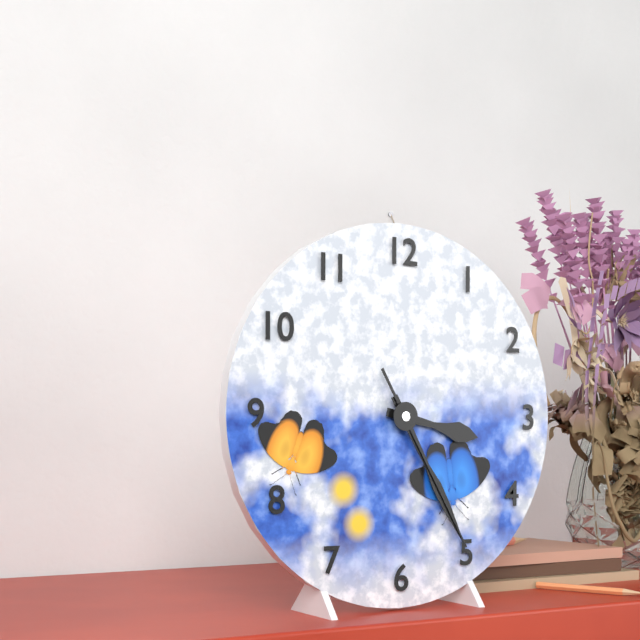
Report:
3h25m25s
